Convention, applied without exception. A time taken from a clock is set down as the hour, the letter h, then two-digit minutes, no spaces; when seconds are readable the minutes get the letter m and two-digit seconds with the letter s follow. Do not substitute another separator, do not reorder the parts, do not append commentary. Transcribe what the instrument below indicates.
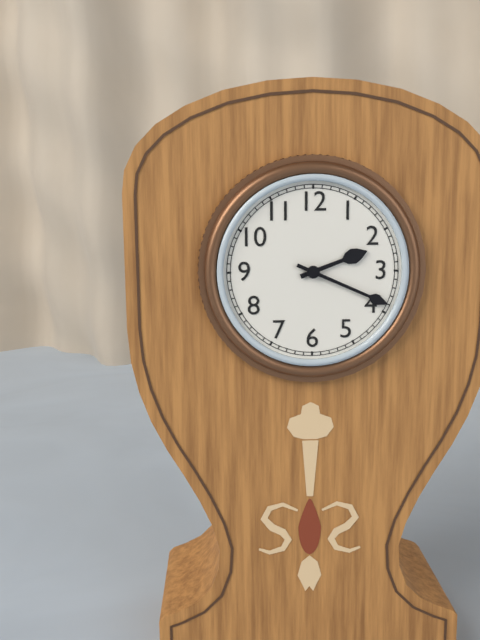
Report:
2h19
